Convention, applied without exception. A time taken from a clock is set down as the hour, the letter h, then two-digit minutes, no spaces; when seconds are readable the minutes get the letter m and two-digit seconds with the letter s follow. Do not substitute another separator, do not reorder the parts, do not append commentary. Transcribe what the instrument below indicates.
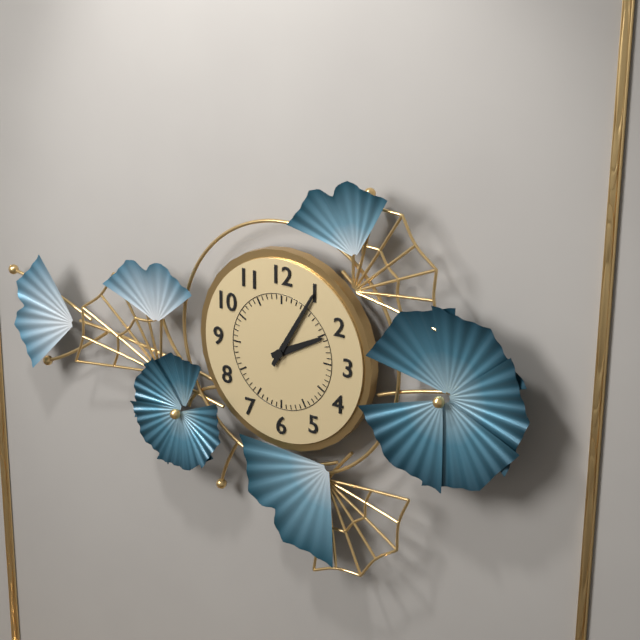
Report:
2h05
